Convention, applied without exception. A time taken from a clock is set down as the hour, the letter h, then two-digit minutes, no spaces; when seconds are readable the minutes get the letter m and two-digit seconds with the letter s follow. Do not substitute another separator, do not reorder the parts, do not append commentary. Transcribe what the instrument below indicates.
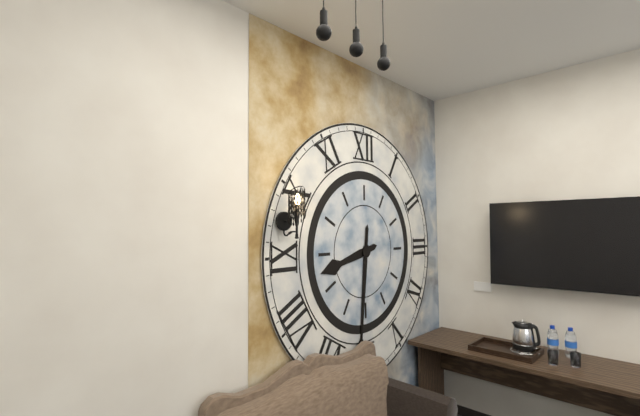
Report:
8h31
